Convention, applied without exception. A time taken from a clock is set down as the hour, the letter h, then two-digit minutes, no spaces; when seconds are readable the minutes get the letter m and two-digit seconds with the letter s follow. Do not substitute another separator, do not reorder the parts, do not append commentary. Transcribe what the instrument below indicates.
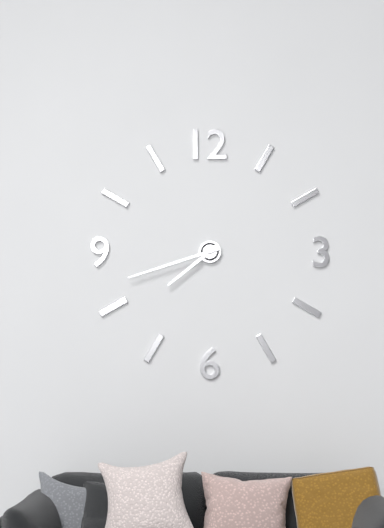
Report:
7h42
